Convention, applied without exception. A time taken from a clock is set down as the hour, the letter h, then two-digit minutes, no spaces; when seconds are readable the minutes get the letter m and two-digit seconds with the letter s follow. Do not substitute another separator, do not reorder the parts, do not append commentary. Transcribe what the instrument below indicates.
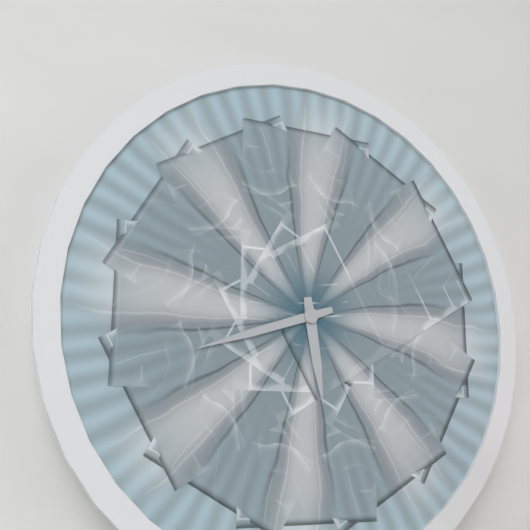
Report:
5h42
